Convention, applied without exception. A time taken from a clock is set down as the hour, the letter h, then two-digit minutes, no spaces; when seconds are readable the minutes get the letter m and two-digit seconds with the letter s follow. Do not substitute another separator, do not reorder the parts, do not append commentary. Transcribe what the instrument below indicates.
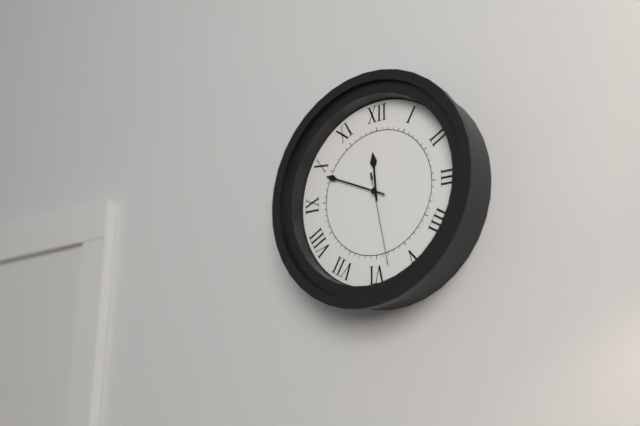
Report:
11h49m28s
